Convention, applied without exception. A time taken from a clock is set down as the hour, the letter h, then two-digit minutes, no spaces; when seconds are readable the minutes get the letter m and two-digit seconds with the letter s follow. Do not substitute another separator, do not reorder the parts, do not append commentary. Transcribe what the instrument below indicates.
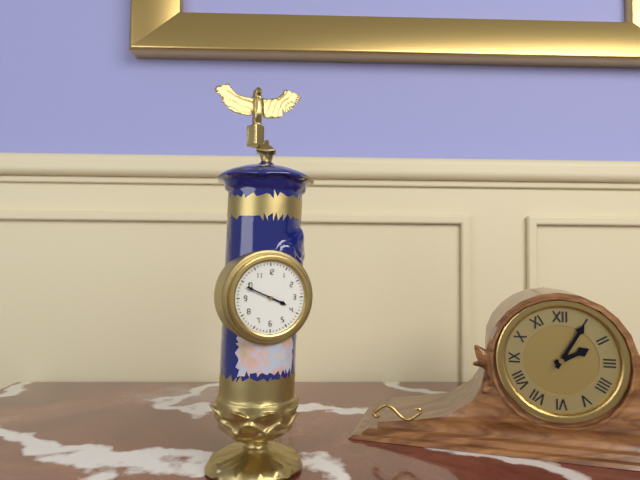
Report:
3h49
